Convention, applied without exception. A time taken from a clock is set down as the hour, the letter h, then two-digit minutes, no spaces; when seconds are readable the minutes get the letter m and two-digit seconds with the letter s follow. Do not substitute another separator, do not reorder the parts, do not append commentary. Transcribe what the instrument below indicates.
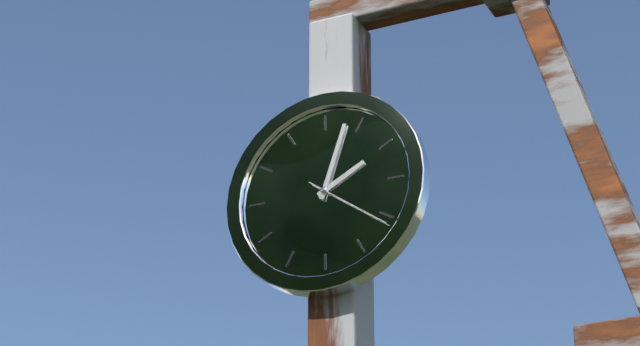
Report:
2h03m21s
